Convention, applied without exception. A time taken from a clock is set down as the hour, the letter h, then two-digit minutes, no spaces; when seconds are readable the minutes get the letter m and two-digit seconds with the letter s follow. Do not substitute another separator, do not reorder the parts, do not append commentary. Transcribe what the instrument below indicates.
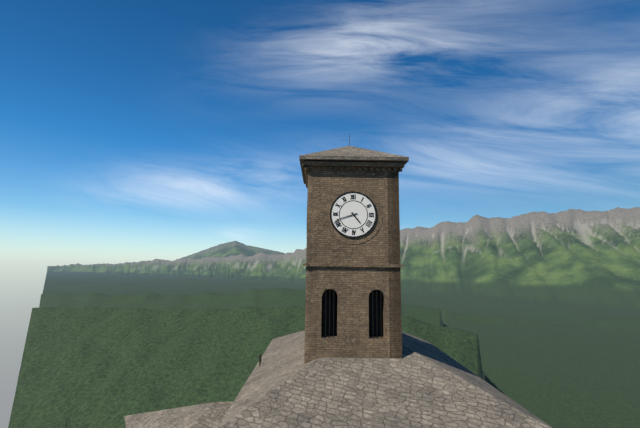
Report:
4h42
